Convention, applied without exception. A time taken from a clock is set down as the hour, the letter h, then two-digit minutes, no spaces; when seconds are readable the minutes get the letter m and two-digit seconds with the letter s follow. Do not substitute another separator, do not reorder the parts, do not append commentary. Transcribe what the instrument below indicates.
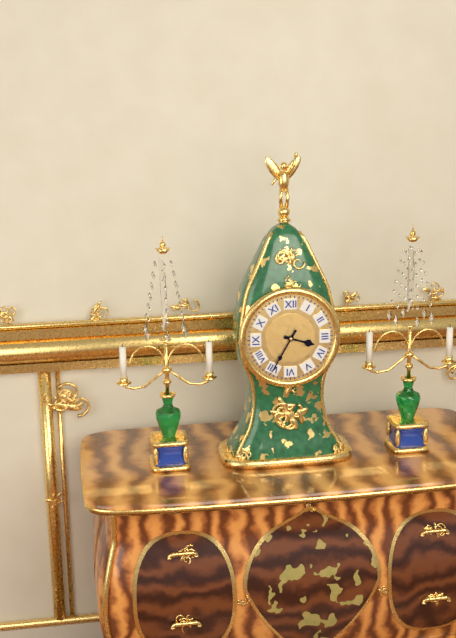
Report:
3h35
